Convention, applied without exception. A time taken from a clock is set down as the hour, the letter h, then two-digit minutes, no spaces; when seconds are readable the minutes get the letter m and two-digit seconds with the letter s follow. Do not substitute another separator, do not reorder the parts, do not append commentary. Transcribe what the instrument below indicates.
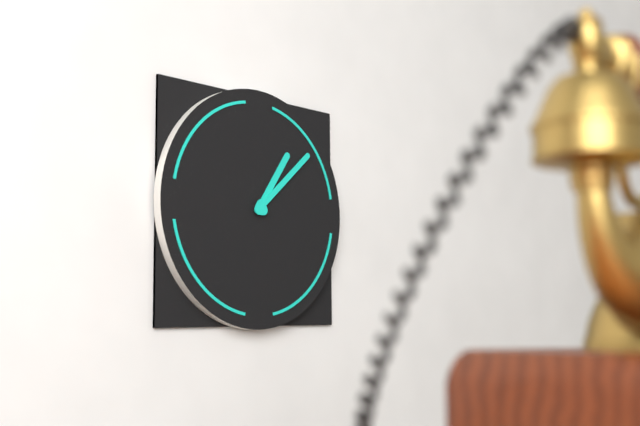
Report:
1h08
